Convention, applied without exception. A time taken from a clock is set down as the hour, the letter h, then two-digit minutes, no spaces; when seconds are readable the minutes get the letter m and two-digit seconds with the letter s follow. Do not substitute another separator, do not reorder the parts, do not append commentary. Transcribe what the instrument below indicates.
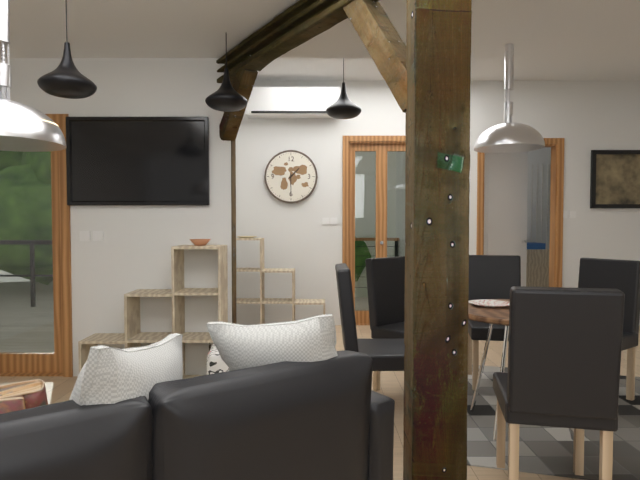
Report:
1h30
